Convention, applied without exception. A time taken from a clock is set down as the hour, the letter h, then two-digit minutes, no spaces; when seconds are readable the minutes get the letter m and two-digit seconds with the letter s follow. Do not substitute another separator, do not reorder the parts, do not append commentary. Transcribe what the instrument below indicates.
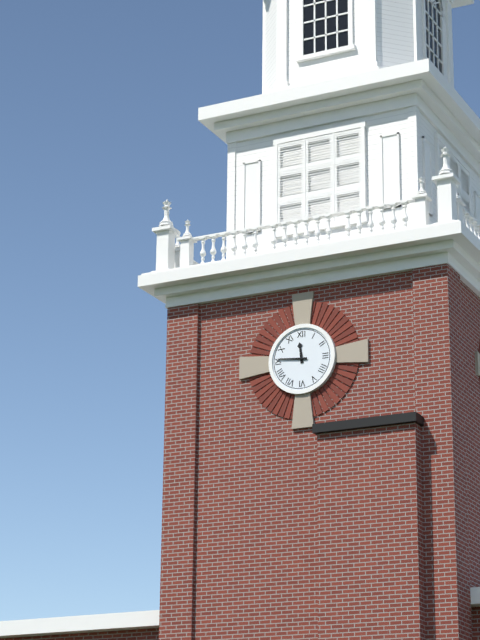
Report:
11h46
